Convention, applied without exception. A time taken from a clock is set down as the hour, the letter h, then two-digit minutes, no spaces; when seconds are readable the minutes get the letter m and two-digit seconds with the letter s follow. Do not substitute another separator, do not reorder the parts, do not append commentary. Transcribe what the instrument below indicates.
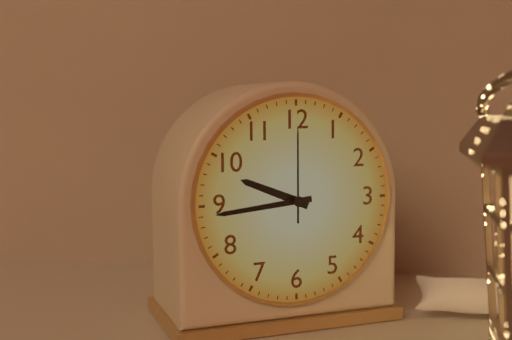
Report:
9h44m00s
